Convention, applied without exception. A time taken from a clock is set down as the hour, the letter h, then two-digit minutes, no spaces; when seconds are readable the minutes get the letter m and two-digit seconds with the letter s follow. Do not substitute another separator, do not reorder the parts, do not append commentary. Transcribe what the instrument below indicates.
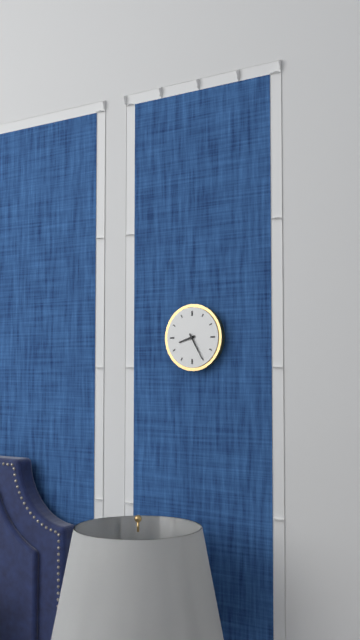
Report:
8h25
